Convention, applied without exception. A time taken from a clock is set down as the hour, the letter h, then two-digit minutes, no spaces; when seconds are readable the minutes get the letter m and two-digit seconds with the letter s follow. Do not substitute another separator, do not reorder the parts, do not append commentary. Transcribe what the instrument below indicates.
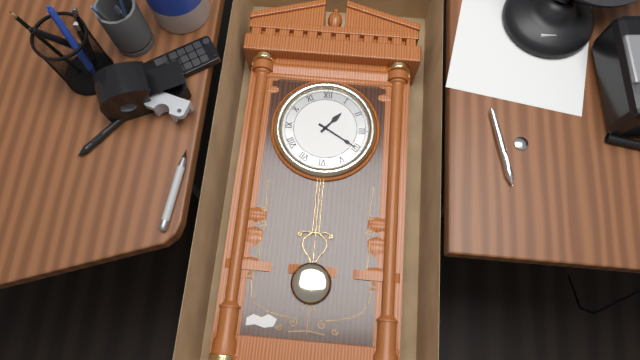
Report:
1h20
